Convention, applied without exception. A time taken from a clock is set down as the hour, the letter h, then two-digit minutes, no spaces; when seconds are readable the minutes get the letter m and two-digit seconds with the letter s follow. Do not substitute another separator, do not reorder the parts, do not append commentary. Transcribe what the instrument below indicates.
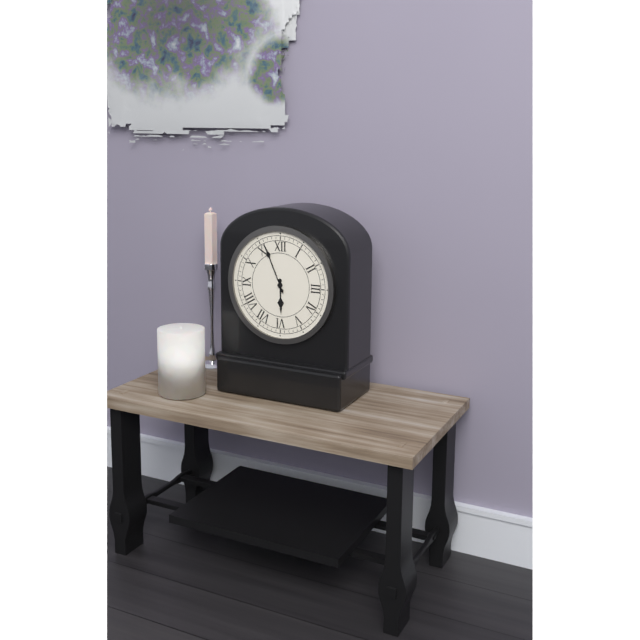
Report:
5h56
